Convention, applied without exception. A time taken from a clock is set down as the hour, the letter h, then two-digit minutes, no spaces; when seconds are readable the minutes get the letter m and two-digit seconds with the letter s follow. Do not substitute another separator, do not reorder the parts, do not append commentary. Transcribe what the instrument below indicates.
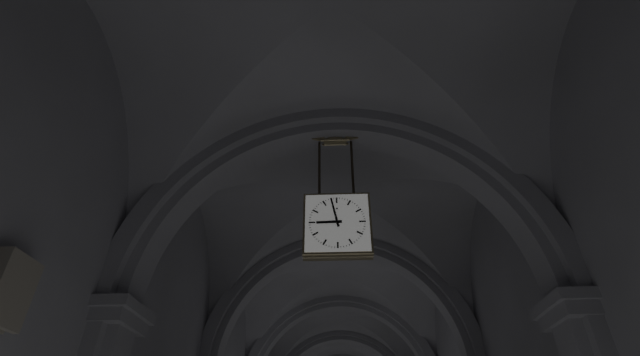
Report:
8h58
